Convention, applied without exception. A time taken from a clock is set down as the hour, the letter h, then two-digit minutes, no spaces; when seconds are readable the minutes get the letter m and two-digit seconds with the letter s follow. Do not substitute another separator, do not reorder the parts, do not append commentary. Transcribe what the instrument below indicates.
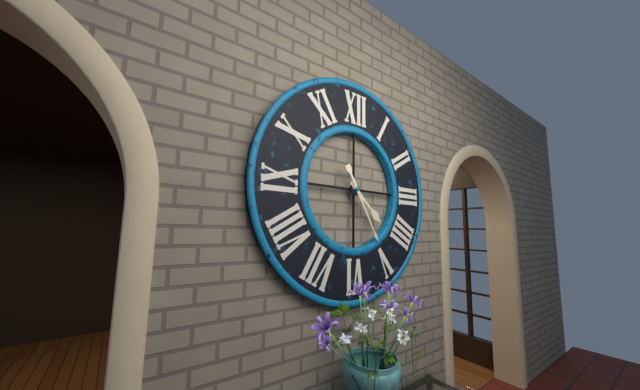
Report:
4h25
